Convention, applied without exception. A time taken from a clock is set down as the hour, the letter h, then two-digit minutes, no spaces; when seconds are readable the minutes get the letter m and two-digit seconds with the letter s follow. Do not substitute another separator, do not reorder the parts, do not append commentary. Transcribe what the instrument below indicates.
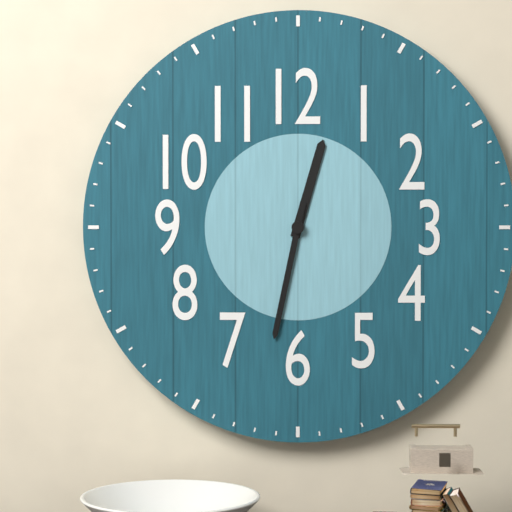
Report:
12h32
